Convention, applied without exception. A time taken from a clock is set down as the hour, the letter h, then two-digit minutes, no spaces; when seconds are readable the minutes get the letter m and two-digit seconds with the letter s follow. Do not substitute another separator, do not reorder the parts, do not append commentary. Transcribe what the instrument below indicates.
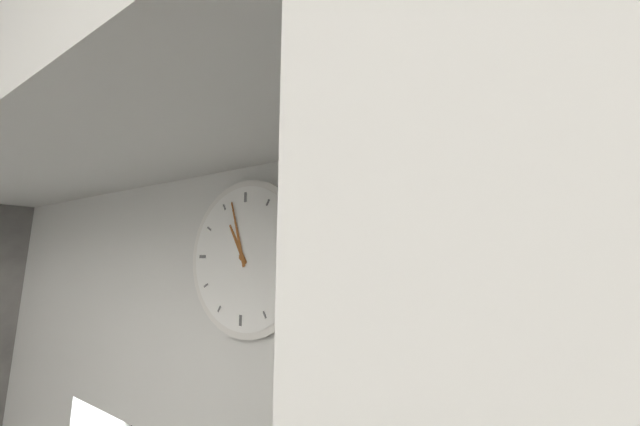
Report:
10h57
